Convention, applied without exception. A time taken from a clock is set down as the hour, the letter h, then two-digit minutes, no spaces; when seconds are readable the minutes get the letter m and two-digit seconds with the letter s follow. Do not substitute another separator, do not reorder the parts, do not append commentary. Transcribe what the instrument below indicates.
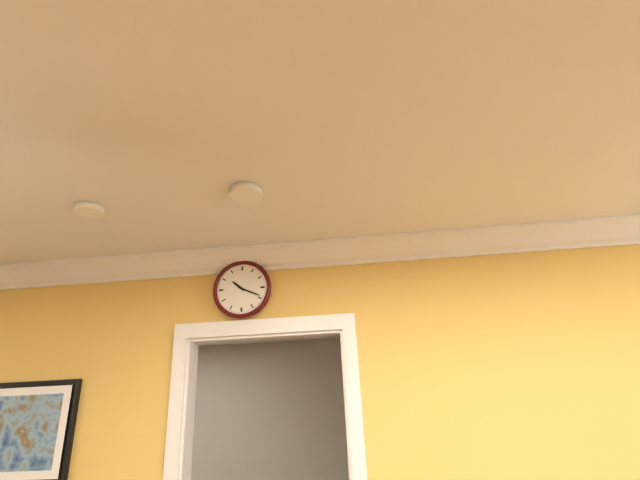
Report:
10h19
